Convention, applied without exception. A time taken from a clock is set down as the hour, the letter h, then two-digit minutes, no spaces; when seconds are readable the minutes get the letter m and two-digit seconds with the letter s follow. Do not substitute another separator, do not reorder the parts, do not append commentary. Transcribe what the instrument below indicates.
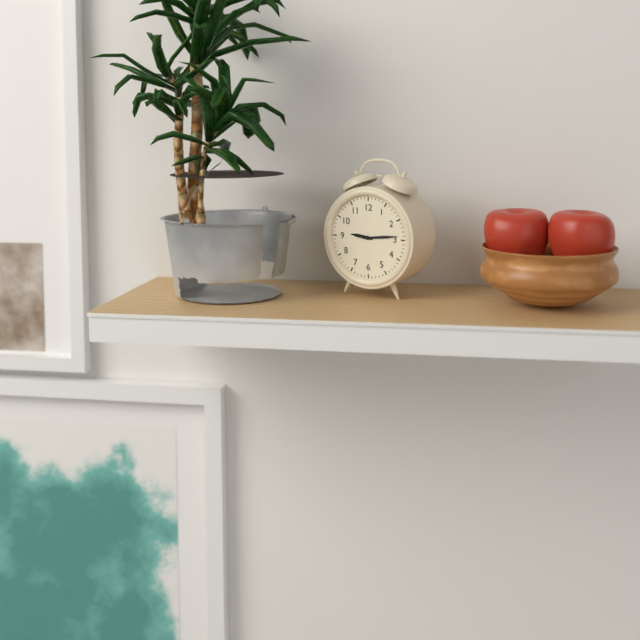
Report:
9h14
